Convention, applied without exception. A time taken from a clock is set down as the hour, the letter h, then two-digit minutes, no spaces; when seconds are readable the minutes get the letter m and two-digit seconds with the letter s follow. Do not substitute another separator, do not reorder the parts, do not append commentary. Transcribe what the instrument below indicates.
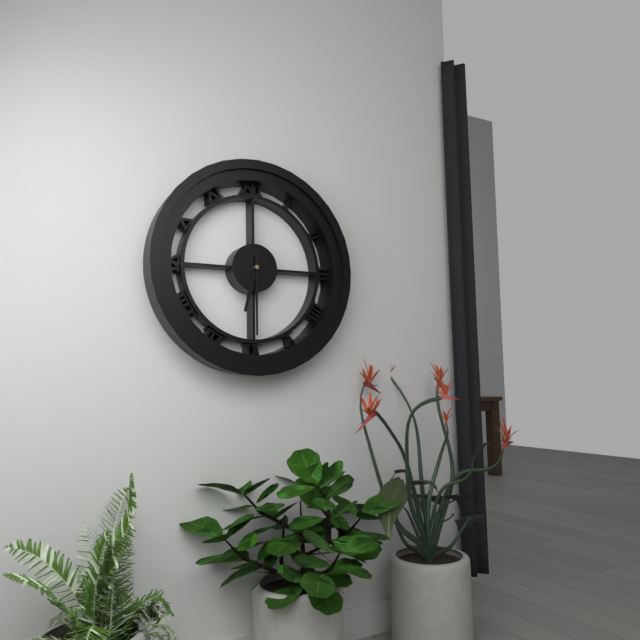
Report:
6h30
